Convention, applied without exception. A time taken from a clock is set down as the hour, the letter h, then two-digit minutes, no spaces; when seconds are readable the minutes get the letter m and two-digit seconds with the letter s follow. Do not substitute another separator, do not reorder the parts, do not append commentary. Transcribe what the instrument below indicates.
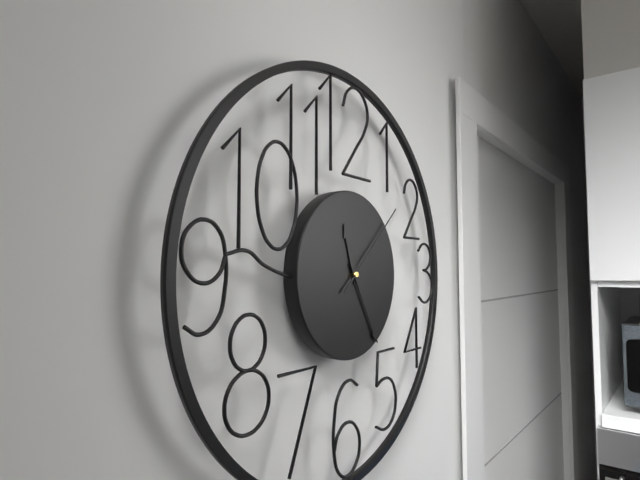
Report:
11h25m08s
